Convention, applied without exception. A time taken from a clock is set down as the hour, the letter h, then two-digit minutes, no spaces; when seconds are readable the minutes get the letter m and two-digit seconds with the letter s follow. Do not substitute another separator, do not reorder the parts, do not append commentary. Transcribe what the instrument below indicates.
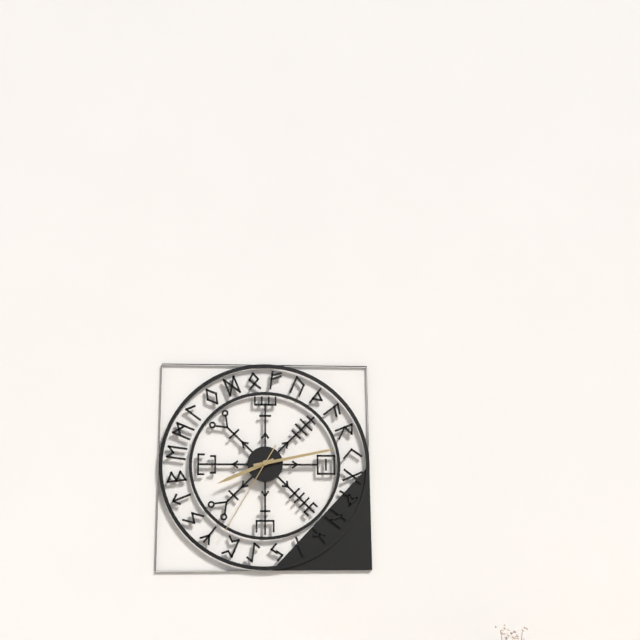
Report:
8h13m35s
